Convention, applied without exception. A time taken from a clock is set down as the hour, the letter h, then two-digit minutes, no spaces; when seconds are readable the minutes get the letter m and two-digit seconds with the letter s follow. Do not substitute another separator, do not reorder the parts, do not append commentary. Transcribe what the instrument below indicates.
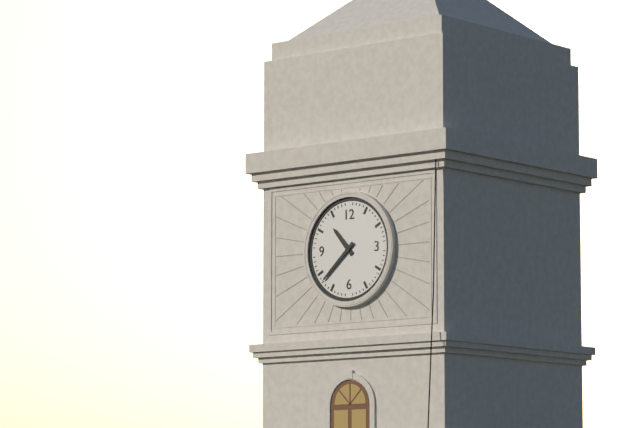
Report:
10h38
